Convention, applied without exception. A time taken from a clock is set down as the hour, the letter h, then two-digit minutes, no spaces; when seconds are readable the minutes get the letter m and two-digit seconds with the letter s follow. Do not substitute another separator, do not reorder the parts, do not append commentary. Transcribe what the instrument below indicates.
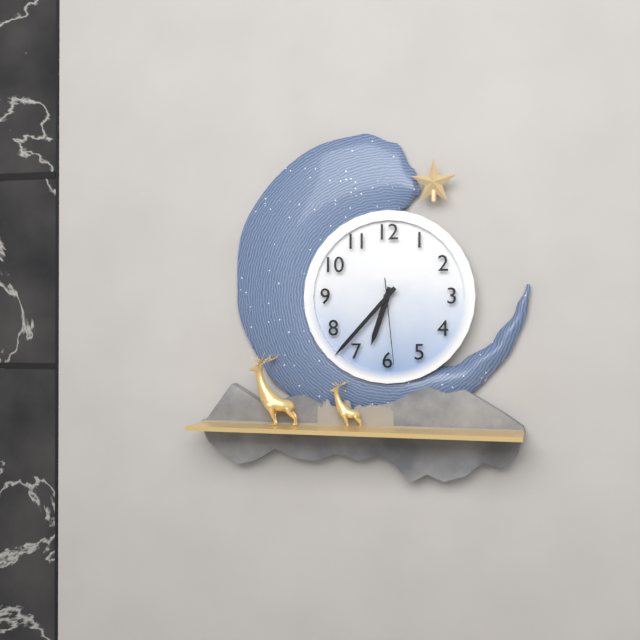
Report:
6h37m29s
